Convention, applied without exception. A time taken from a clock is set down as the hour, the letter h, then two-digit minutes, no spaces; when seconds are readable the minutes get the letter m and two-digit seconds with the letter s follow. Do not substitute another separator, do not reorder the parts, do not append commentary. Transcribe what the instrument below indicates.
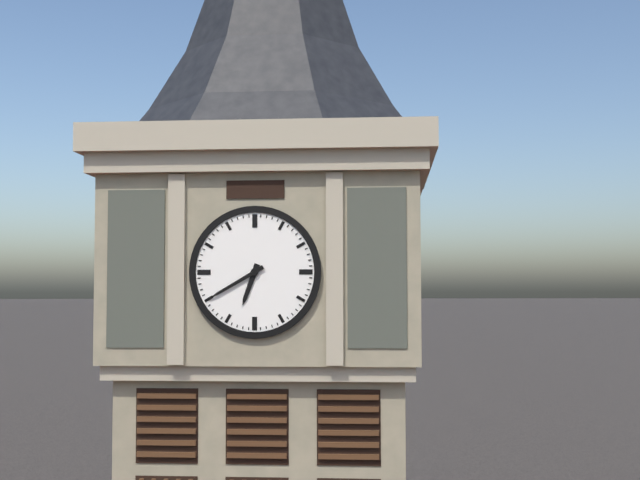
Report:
6h40
